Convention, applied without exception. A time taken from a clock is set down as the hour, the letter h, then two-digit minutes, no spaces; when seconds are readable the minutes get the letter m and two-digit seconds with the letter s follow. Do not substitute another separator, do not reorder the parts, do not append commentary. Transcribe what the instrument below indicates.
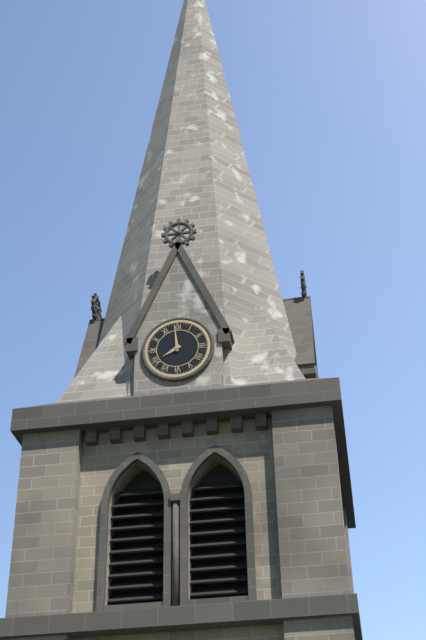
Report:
7h59
